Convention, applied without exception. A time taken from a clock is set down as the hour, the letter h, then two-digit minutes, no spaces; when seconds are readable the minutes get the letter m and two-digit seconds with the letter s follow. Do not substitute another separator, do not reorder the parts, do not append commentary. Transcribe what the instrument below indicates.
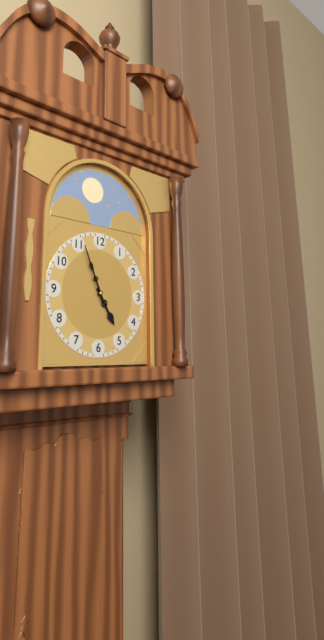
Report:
4h56
